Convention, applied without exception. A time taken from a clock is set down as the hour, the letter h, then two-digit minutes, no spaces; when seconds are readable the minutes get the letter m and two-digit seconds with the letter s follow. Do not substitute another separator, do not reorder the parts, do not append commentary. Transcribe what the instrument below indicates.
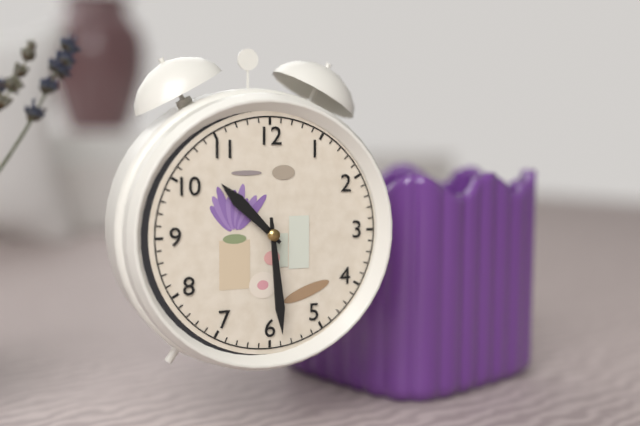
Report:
10h29
